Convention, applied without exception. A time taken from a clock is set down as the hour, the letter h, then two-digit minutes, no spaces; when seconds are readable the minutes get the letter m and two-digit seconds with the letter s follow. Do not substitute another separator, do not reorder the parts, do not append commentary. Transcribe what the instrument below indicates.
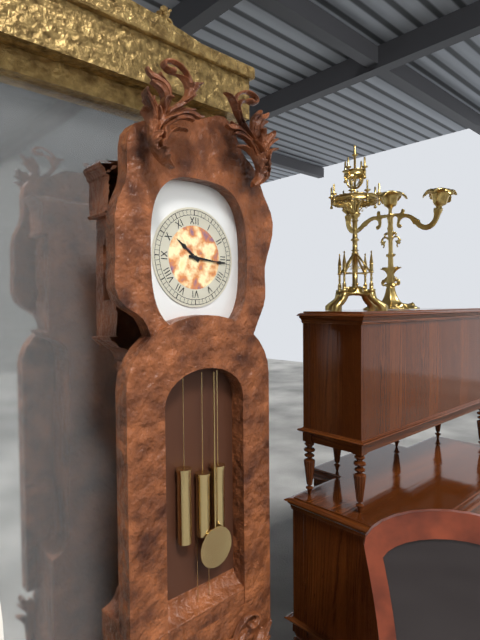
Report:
10h16
